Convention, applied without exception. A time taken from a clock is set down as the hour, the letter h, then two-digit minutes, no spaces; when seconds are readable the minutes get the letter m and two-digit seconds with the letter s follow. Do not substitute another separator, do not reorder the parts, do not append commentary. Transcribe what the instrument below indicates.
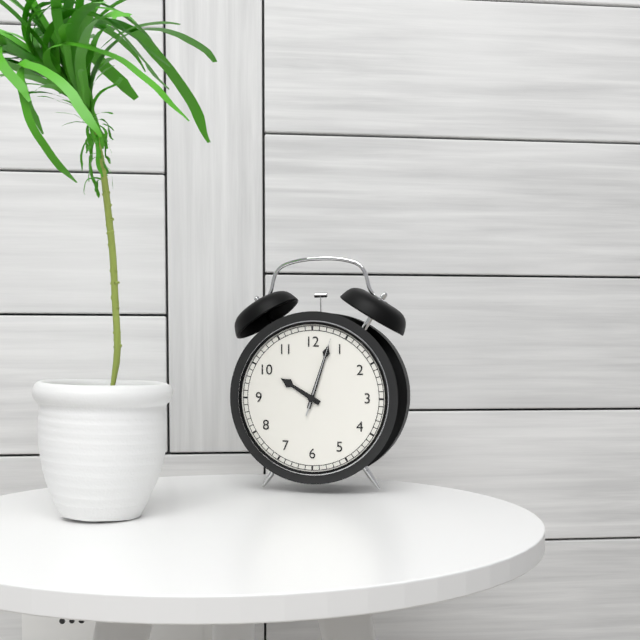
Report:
10h03m03s
